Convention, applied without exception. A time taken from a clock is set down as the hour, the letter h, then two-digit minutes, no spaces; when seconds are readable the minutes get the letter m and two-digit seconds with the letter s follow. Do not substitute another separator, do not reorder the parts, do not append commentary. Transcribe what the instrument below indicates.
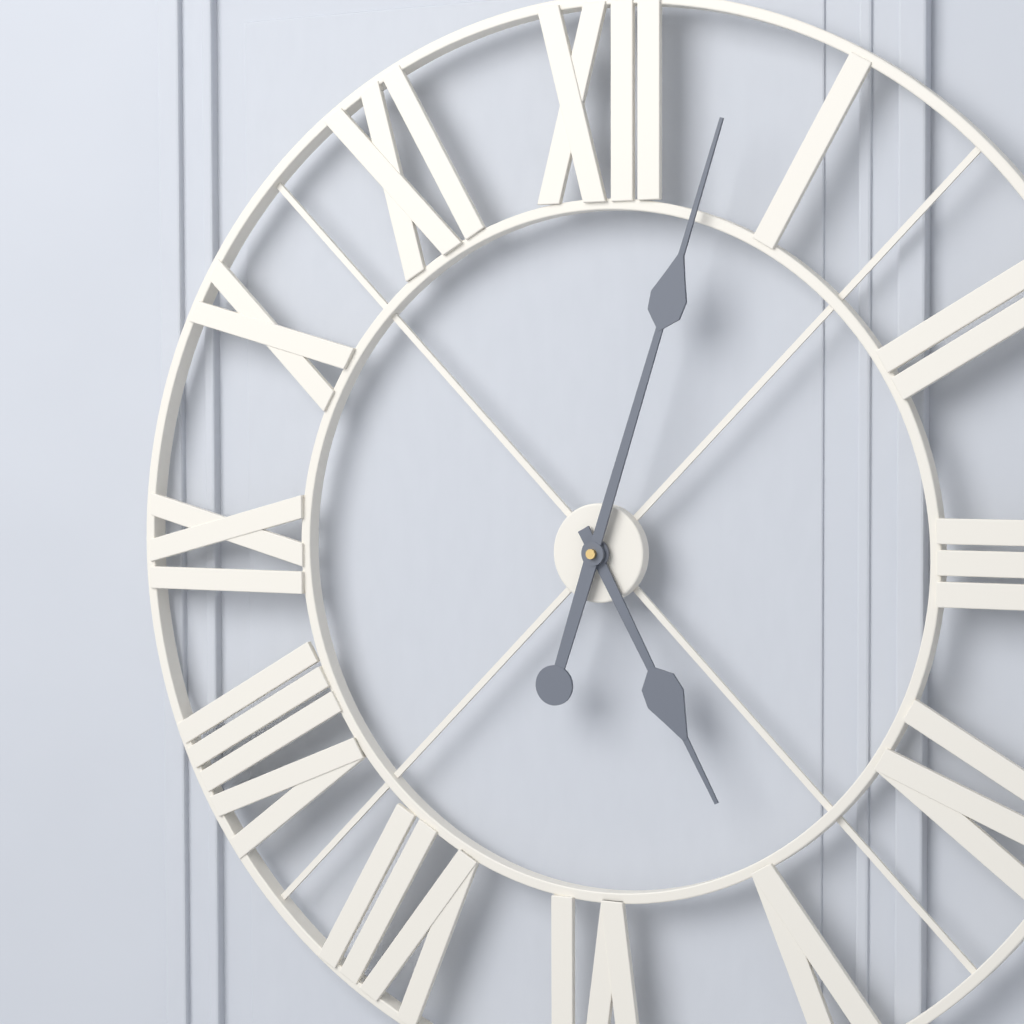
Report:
5h03
